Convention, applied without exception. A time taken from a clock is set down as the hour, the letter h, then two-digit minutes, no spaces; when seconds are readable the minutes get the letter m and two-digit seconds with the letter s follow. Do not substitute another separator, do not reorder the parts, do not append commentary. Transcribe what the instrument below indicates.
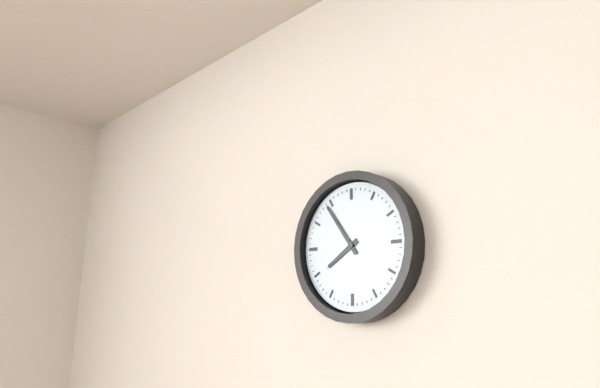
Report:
7h54
